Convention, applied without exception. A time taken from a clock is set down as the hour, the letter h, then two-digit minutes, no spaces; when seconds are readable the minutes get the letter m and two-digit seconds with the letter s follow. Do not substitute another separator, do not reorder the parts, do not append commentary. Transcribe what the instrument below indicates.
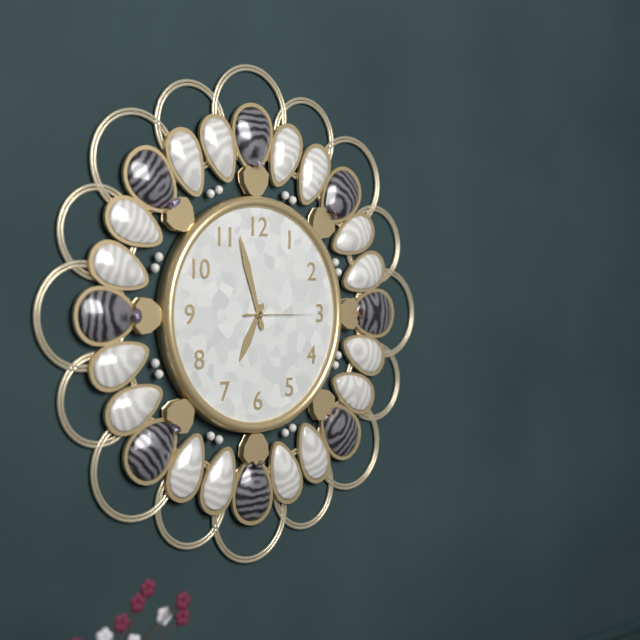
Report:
6h57m15s
